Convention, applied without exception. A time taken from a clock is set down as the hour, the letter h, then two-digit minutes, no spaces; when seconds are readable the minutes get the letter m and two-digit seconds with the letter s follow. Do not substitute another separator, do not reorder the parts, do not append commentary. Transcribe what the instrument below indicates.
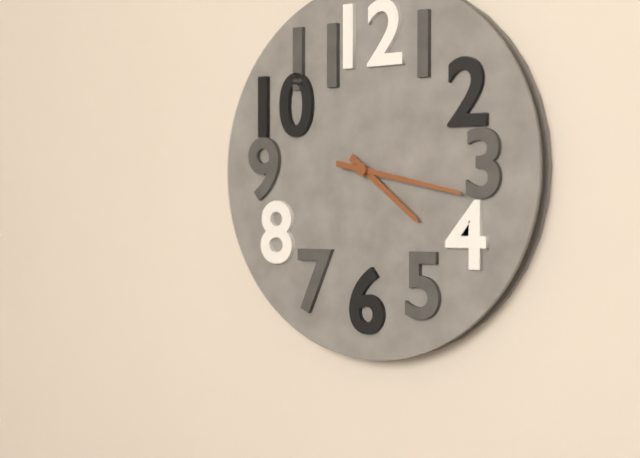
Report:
4h17
